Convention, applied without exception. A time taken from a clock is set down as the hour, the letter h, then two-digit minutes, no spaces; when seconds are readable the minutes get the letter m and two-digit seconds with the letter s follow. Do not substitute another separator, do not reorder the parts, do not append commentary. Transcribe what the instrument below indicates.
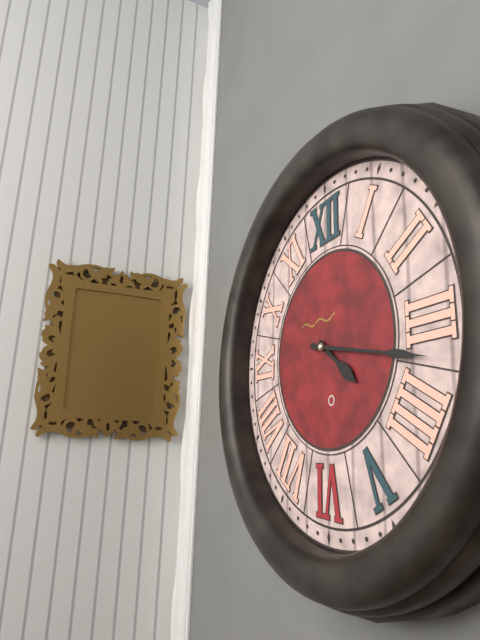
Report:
4h17
